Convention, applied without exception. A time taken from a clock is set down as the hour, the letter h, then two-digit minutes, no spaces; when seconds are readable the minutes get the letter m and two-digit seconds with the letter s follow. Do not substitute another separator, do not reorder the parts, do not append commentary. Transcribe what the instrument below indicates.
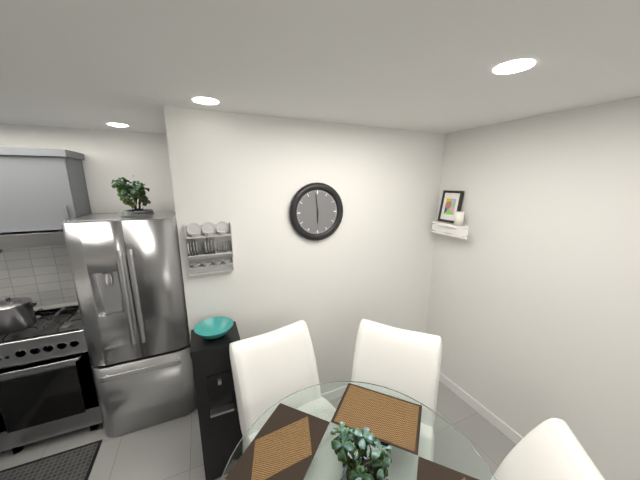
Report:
5h59
